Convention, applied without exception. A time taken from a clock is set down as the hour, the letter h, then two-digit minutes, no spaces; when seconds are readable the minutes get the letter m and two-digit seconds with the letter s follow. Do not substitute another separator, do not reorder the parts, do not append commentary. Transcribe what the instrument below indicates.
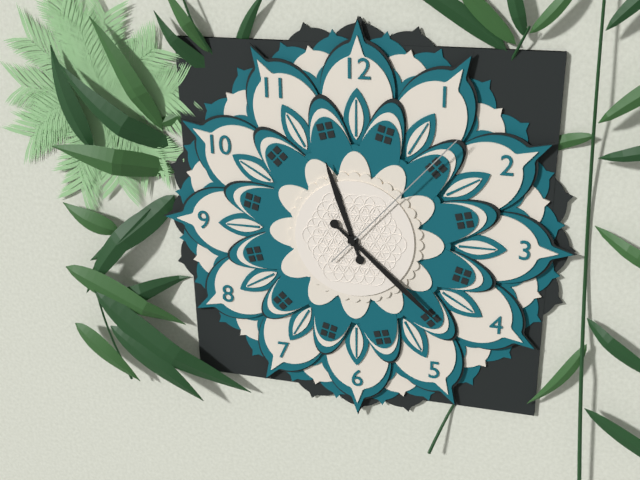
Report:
11h22m07s
